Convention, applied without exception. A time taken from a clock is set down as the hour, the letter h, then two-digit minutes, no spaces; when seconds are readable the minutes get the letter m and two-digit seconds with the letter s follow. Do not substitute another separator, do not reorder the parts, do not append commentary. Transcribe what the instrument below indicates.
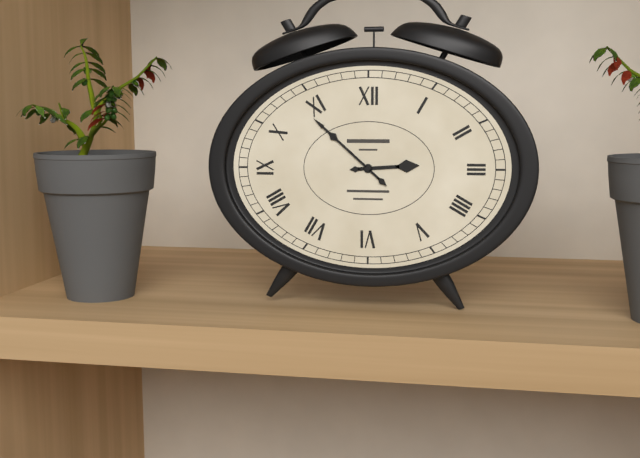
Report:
2h52
